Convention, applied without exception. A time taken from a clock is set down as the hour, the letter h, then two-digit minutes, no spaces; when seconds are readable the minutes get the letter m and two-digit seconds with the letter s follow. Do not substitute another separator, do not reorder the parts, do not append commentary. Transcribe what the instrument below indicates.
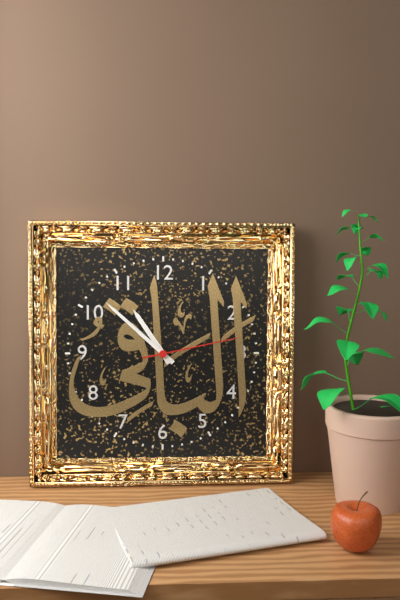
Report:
10h52m13s
